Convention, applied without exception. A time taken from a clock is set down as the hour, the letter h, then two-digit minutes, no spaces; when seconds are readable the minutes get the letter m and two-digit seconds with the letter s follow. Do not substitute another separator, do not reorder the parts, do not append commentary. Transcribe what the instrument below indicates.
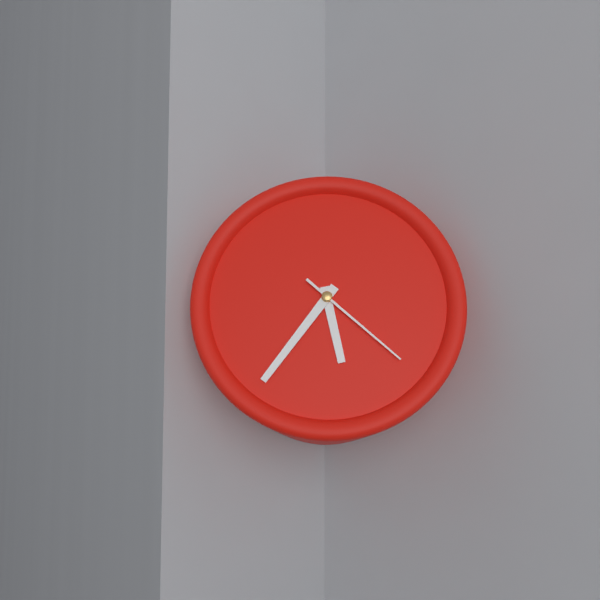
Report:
5h36m22s
